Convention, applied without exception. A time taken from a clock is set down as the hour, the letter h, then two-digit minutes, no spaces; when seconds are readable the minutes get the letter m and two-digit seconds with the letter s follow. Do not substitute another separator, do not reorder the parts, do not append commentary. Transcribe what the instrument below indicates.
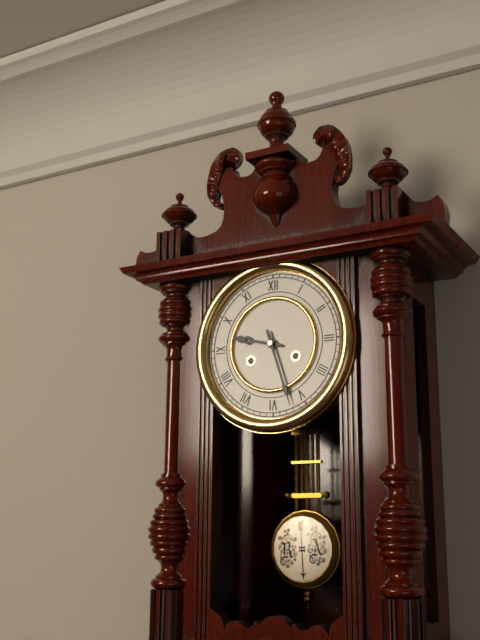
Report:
9h27
